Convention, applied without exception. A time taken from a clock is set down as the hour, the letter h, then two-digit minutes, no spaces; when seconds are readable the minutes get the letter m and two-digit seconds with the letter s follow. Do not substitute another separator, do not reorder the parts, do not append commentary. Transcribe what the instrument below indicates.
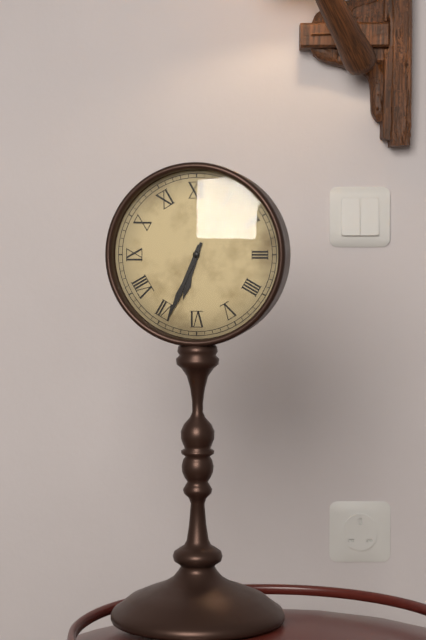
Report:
6h34
